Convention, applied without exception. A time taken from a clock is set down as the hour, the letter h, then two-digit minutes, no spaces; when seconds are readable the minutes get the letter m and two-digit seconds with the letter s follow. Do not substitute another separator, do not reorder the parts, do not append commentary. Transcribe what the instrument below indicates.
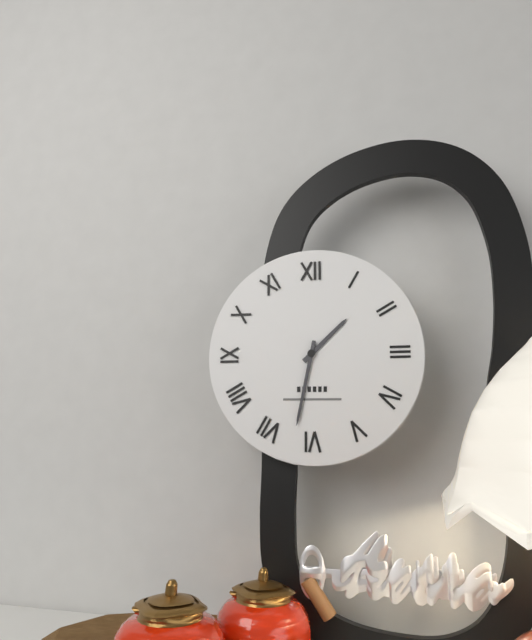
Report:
1h32
